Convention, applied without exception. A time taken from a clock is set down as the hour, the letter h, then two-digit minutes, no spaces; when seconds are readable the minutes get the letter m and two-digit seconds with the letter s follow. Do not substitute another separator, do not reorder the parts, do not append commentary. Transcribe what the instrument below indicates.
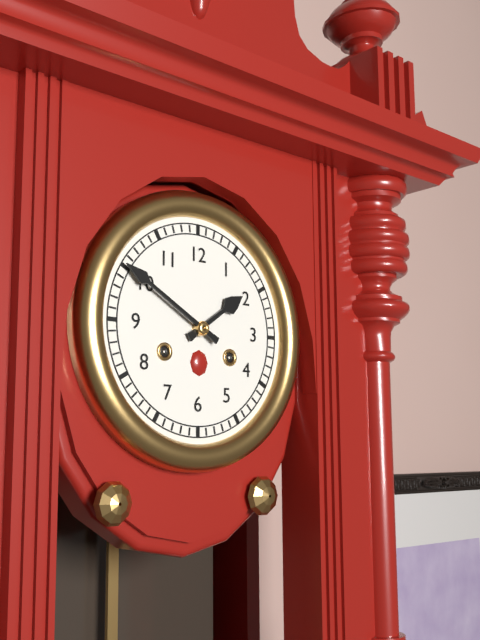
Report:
1h50
